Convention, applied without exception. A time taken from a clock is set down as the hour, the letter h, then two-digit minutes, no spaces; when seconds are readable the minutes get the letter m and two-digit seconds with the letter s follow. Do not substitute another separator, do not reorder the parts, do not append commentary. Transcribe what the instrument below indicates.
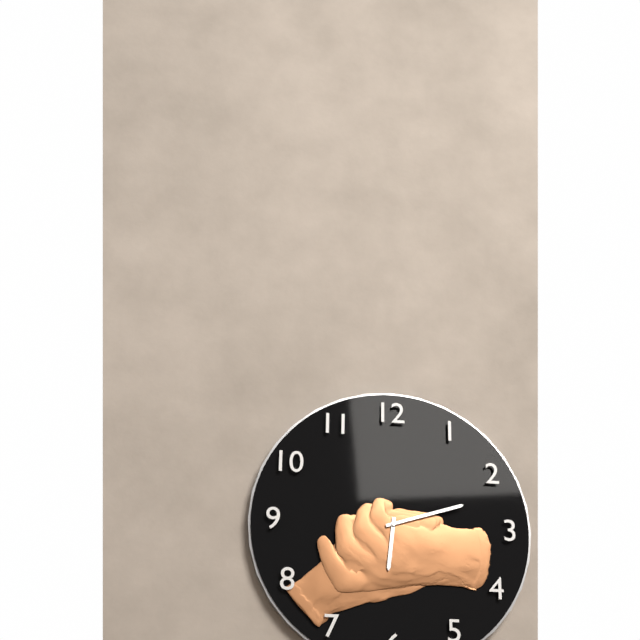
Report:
6h12
